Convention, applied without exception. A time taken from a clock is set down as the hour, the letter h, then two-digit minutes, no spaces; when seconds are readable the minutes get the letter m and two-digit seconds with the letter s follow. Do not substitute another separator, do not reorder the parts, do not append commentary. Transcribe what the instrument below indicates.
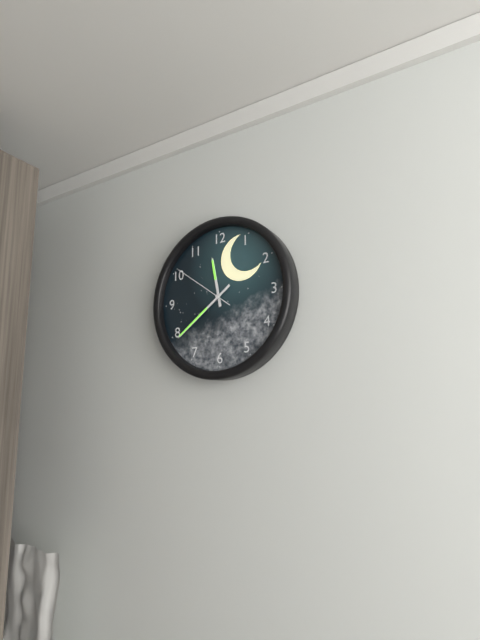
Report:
11h39m51s
